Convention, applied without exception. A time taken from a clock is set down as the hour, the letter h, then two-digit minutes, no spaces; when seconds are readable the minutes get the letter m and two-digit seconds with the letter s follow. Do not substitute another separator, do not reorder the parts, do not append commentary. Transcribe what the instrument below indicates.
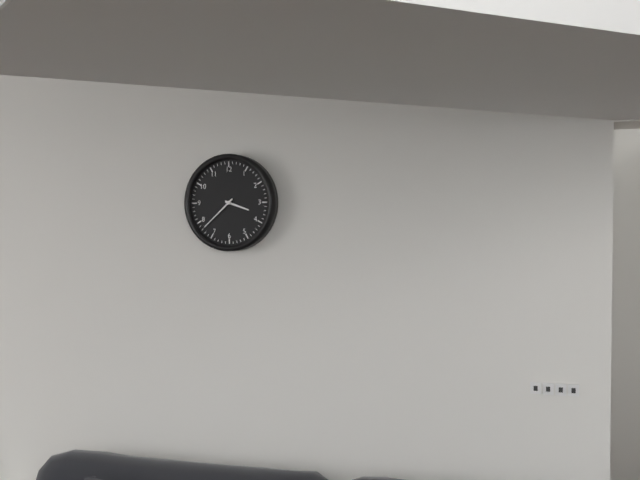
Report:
3h38
